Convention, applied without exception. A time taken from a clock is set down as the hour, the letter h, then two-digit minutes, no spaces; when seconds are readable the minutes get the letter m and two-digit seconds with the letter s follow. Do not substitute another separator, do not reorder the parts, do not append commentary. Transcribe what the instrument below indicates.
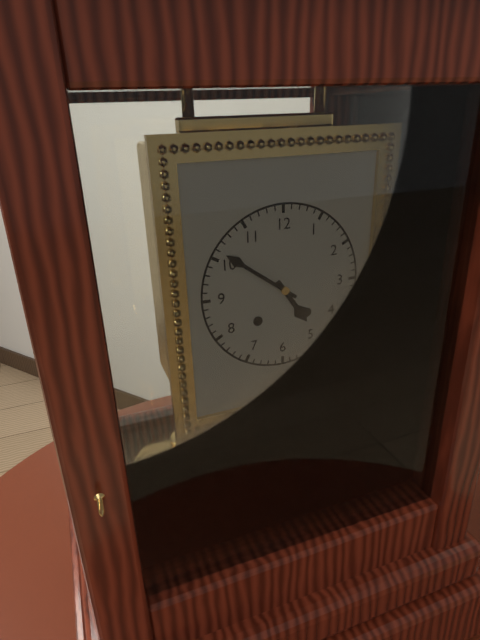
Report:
4h51
